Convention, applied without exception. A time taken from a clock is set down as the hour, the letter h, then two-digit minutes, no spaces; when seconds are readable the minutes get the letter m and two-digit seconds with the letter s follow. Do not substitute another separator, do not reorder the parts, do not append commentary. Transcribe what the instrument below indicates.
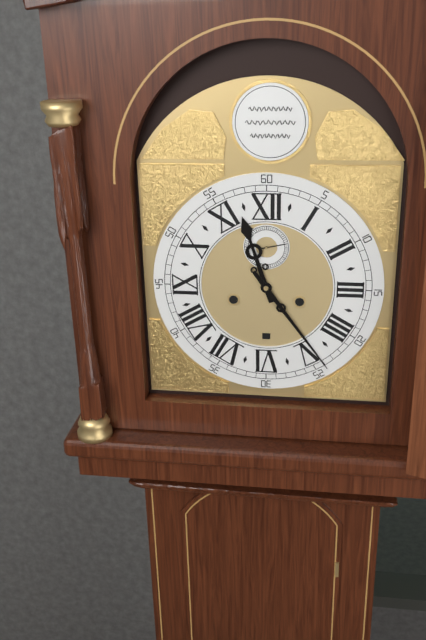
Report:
11h24
